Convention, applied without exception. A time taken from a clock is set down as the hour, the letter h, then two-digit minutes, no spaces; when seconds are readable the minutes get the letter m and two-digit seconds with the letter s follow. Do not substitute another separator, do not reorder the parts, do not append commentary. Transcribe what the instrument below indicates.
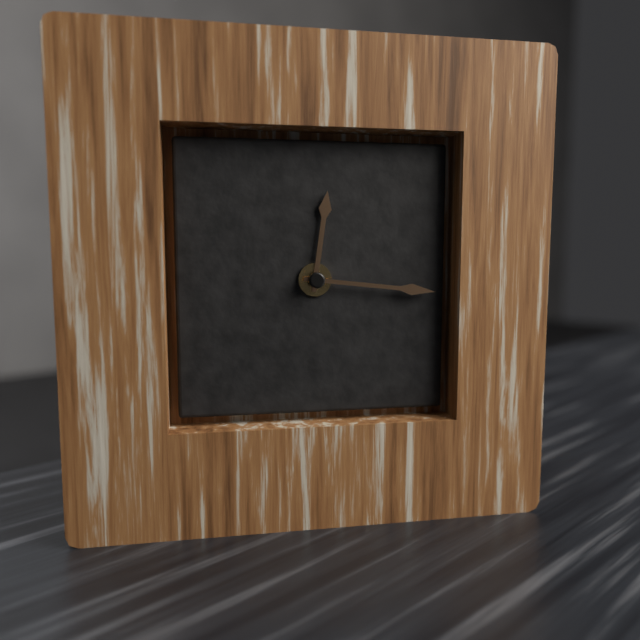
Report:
12h16
